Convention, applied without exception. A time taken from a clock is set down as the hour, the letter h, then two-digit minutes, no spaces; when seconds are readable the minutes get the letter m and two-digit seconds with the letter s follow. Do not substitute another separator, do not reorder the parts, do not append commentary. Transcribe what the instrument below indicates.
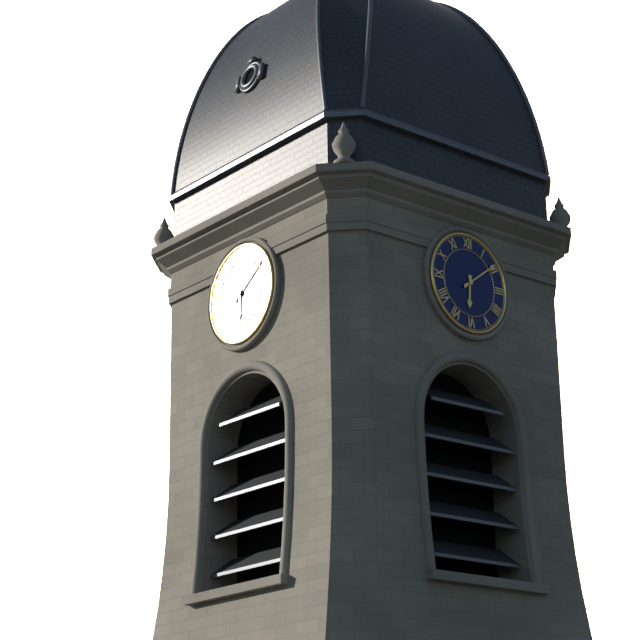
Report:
6h09
